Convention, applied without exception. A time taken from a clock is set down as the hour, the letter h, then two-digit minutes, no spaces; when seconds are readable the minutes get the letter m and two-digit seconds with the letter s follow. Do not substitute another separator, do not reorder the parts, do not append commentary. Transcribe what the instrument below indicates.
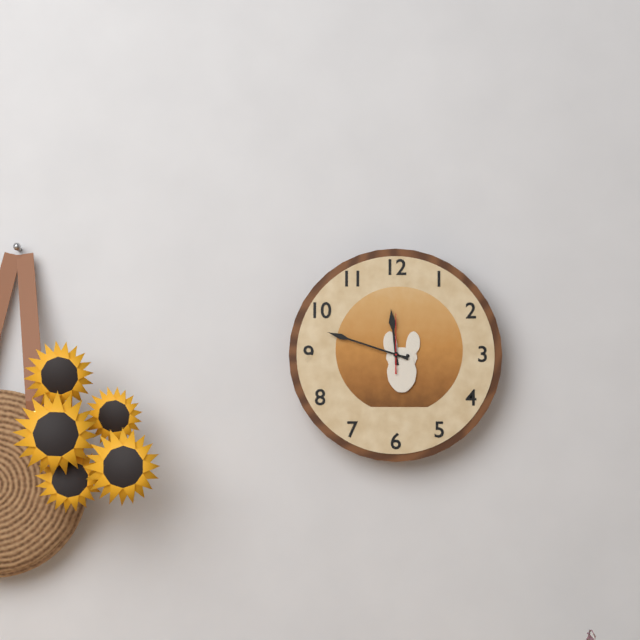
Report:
11h48m00s
